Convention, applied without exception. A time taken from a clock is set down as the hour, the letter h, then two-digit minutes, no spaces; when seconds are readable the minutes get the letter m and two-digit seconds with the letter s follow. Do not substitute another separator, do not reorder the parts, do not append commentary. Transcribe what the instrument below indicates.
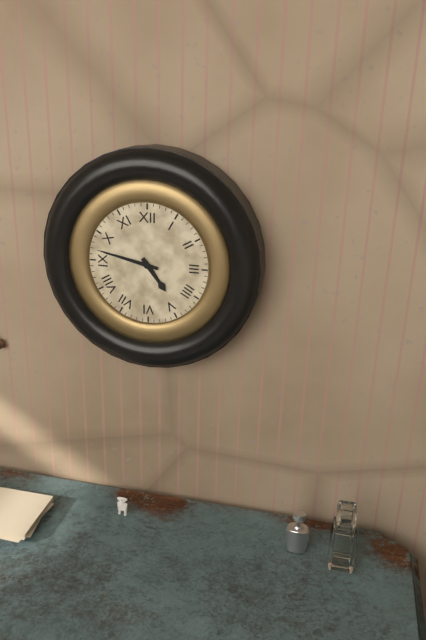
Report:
4h47
